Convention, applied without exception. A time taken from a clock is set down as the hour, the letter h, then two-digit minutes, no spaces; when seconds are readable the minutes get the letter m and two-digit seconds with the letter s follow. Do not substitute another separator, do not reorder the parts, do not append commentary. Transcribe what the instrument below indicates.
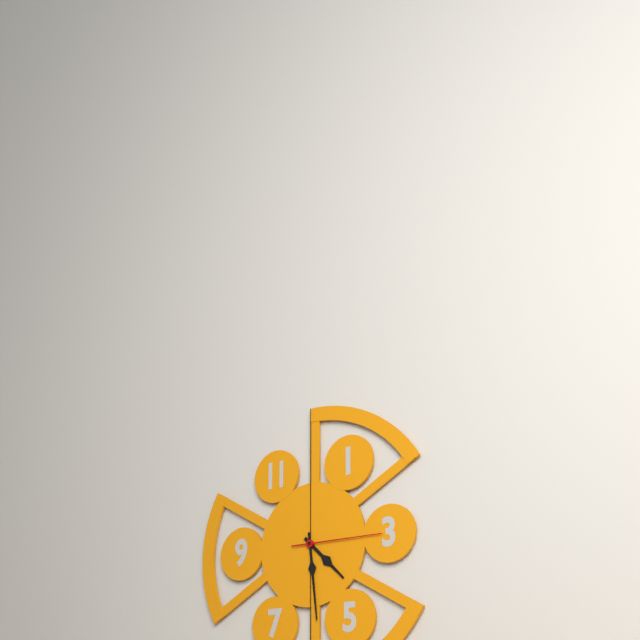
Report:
4h29m15s
